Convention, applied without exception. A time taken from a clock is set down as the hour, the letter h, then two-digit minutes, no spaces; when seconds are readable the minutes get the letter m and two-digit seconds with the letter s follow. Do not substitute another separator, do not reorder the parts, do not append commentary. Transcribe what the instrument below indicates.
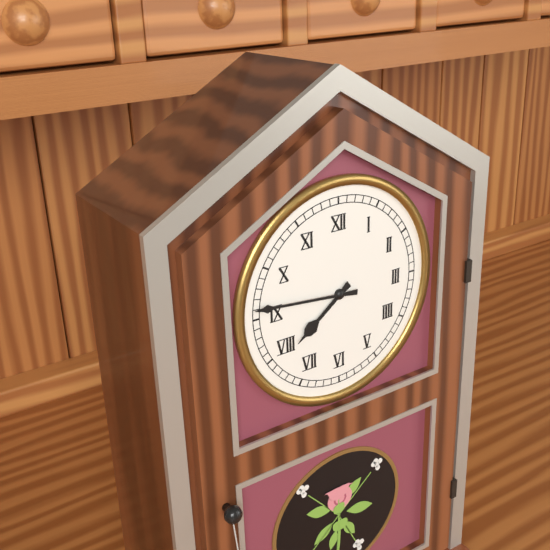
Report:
7h46
